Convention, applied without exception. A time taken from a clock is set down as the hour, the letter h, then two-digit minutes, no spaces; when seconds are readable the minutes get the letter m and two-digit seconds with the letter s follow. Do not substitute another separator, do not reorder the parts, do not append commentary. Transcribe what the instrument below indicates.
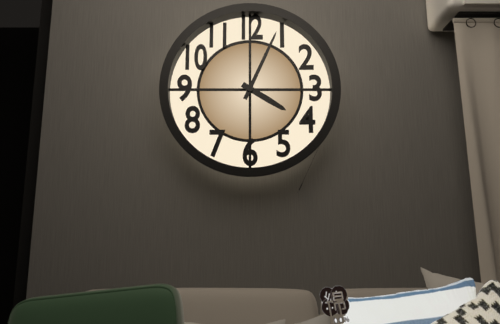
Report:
4h04
